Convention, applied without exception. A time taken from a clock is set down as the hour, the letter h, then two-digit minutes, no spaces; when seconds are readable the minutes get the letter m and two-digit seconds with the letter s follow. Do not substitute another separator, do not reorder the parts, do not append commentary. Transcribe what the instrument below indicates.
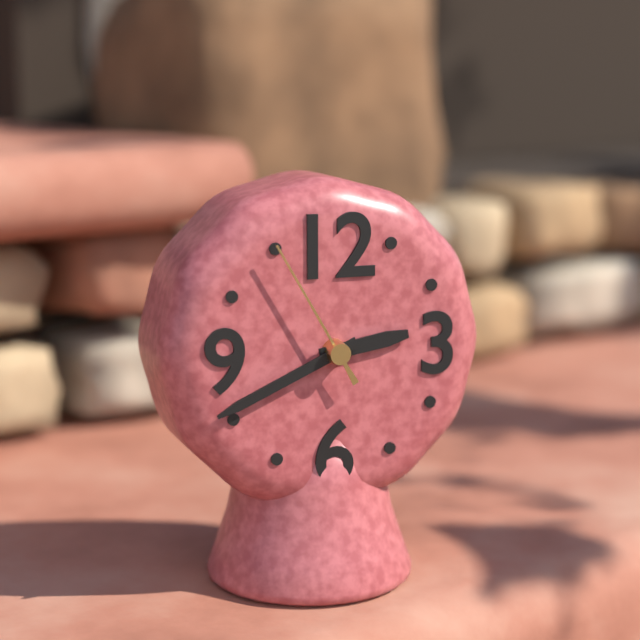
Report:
2h41m55s
